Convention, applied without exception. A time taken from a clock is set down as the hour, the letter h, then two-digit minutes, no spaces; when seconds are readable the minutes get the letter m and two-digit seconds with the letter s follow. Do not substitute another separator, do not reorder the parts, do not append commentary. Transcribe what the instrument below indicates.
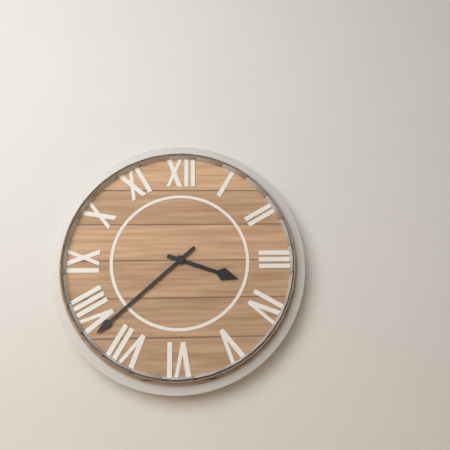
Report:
3h38
